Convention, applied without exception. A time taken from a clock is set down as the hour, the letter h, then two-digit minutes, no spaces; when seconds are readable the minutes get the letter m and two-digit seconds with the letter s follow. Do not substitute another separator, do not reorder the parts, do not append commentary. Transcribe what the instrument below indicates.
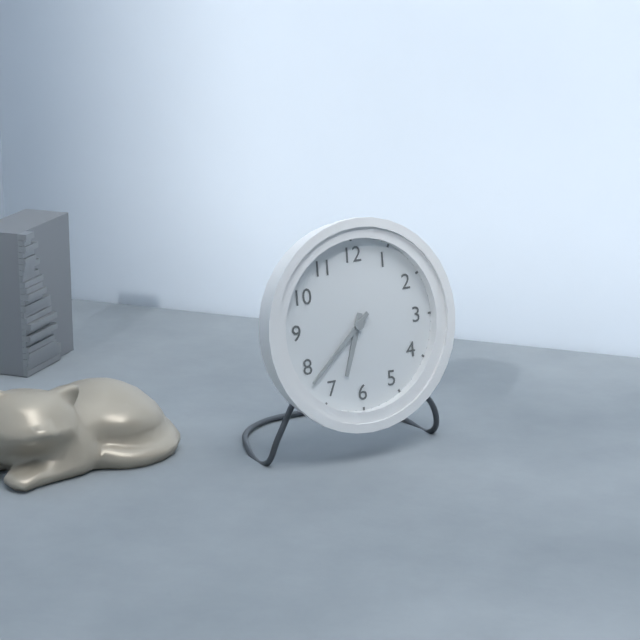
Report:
6h38
